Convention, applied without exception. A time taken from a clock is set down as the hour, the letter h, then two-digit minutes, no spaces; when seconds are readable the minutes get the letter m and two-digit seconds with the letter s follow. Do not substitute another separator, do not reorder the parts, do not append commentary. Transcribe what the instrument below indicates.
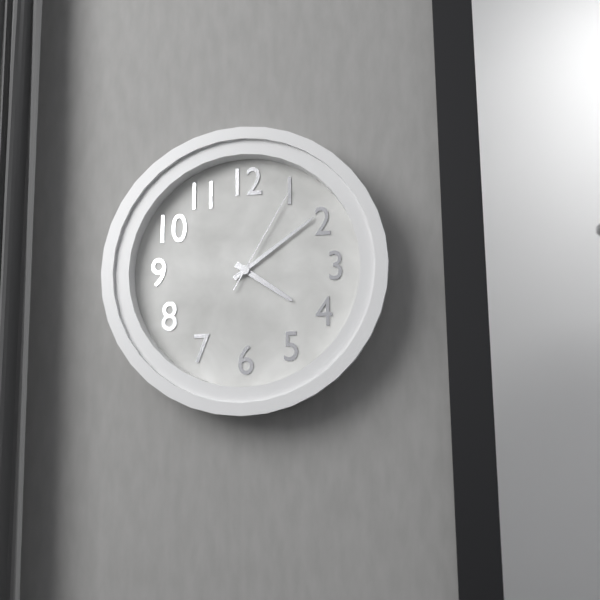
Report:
4h09m05s
